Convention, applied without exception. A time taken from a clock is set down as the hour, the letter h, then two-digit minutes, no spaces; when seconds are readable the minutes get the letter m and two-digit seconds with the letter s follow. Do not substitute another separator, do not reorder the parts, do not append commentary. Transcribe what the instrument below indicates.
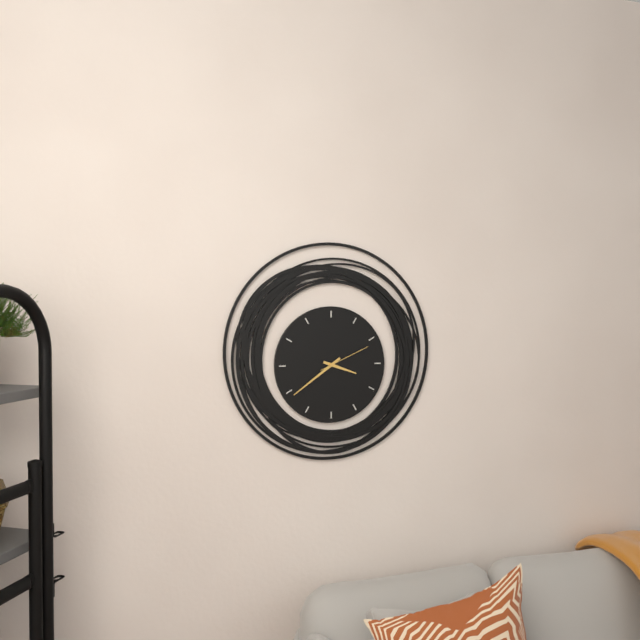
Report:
3h39m11s
